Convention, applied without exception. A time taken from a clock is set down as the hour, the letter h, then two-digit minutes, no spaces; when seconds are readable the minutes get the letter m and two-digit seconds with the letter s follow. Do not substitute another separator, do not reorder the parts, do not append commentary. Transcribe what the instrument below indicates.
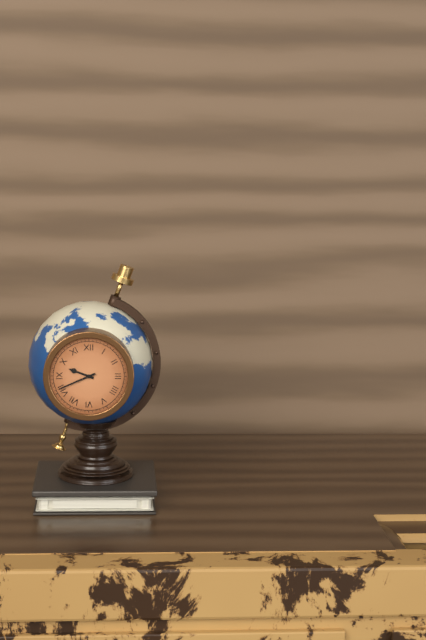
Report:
9h41
